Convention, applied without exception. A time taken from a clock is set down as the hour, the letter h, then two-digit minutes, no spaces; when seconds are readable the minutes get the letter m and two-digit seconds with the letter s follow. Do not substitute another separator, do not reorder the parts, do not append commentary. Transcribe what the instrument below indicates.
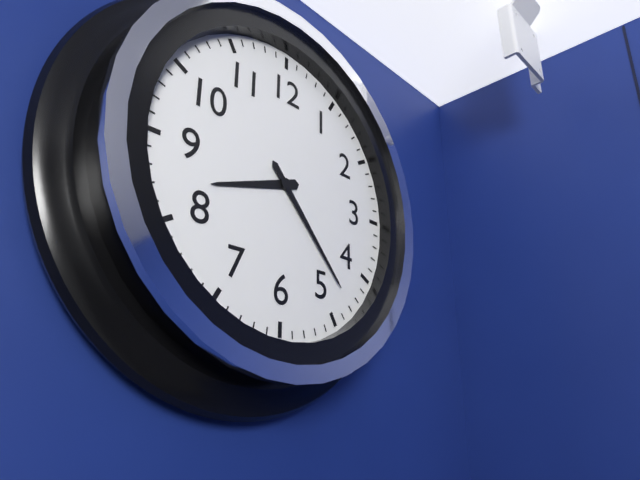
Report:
8h23
